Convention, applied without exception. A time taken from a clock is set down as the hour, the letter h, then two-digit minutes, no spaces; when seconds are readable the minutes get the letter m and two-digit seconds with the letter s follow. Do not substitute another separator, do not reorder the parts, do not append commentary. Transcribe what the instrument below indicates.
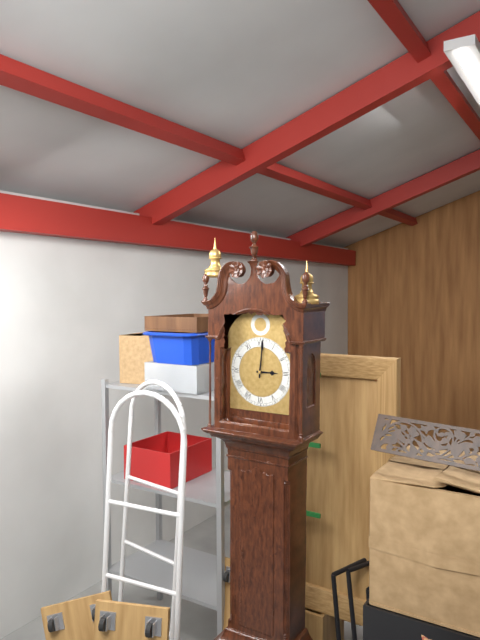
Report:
3h01
